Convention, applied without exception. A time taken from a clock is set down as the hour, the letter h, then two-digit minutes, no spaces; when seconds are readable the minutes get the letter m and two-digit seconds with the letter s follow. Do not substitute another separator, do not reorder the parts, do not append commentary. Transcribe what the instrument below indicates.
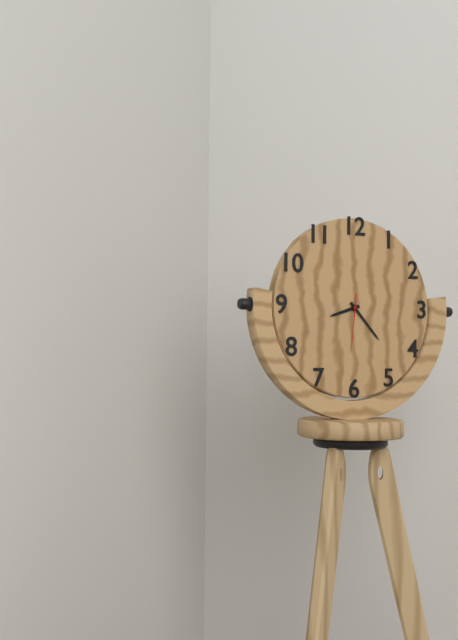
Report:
8h23m31s
